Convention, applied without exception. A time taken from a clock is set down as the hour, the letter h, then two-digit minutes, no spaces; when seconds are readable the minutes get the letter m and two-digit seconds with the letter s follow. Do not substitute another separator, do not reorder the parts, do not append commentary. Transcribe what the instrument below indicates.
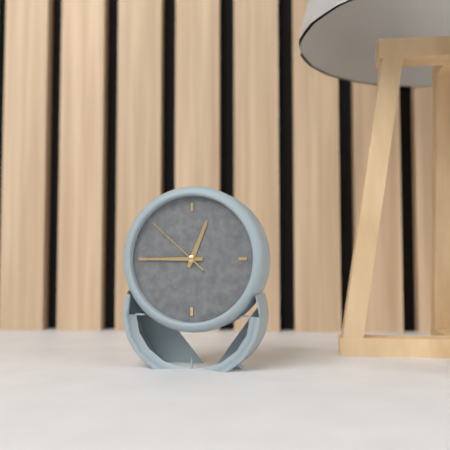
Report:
12h45m52s
